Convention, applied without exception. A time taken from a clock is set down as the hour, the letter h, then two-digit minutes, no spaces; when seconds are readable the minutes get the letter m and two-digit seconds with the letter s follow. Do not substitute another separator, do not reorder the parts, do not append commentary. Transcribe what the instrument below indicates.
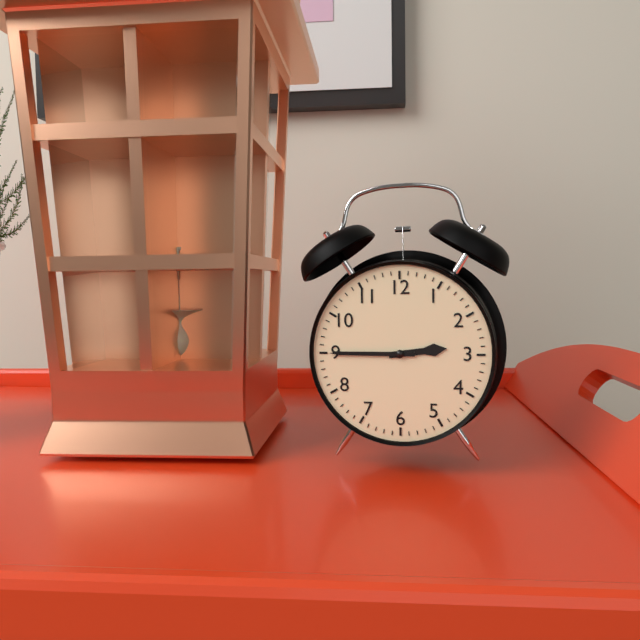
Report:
2h45
